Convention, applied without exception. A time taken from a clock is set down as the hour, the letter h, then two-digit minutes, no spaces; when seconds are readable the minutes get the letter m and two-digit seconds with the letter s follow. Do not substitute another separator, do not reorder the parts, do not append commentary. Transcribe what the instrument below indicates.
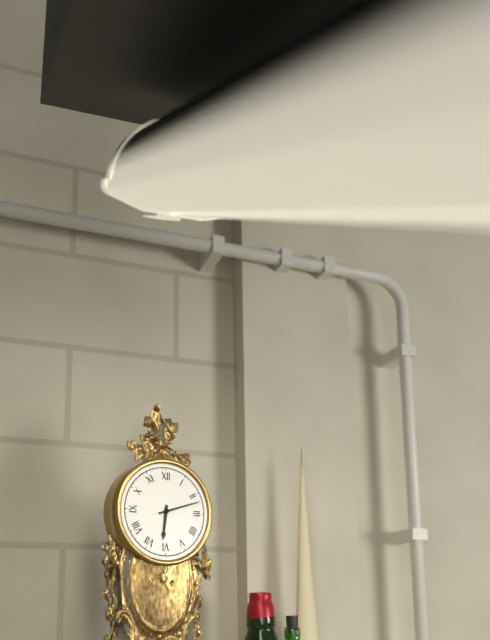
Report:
6h12
